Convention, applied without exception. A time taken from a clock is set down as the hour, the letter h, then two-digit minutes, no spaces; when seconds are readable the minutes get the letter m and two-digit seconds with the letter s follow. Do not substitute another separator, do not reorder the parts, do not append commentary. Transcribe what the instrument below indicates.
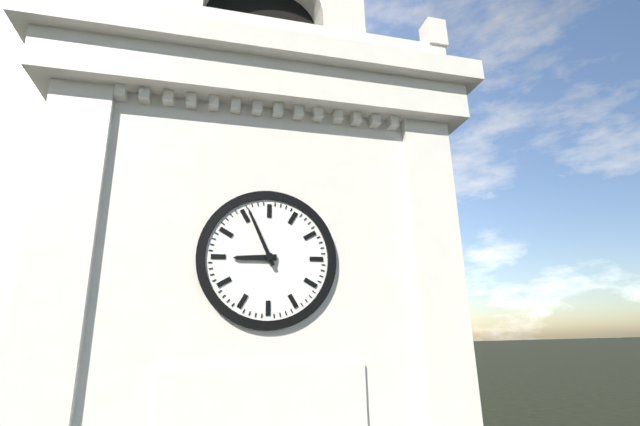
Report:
8h56
